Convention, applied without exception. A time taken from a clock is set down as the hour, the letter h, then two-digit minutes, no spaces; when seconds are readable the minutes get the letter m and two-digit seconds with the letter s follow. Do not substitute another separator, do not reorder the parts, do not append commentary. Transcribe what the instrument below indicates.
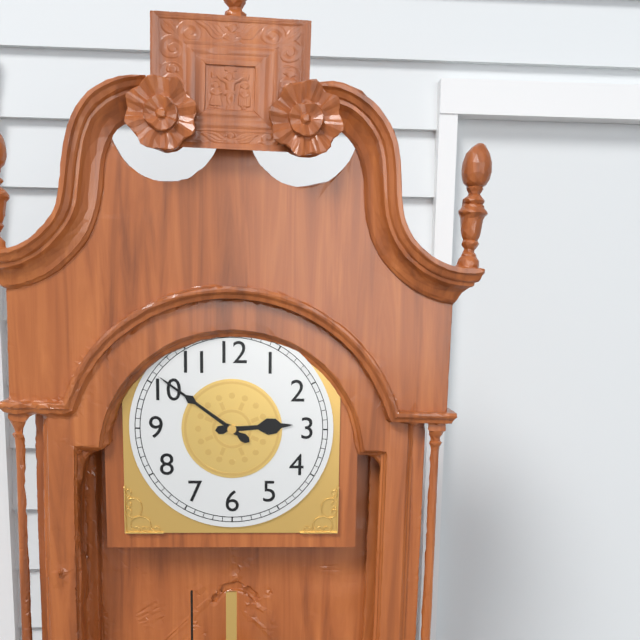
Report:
2h51
